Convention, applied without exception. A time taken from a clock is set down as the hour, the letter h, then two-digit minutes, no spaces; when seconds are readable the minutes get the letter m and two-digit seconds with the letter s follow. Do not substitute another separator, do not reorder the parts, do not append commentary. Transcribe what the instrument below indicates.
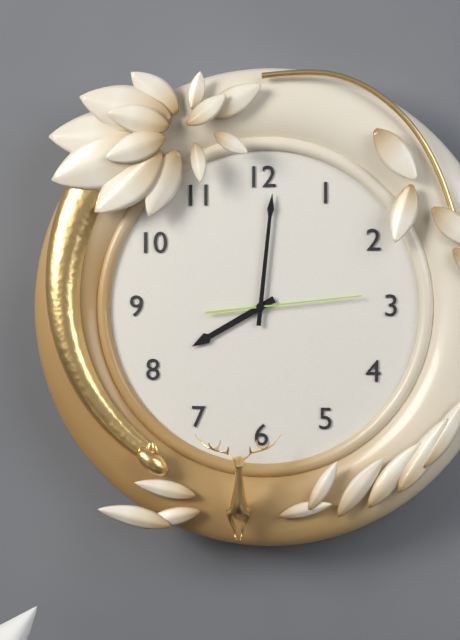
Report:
8h01m14s
